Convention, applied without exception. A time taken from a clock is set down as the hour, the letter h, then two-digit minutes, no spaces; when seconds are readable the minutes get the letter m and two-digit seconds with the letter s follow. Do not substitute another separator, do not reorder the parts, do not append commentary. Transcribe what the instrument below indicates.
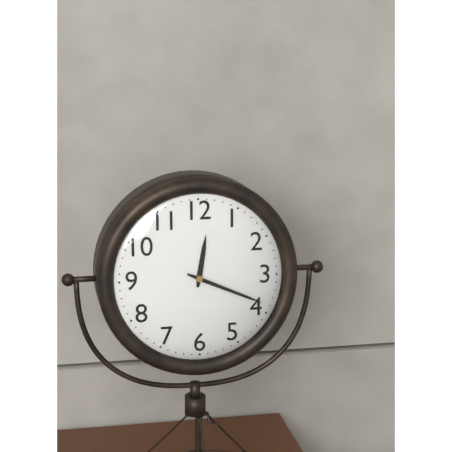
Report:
12h19
